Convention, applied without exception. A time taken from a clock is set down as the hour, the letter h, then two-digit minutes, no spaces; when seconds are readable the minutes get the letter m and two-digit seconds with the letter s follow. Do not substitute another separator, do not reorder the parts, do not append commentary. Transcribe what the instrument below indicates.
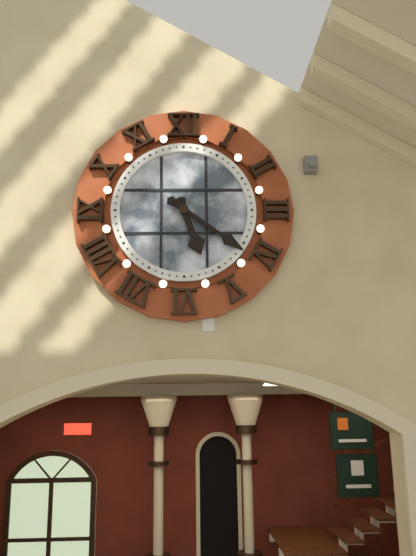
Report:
5h21
